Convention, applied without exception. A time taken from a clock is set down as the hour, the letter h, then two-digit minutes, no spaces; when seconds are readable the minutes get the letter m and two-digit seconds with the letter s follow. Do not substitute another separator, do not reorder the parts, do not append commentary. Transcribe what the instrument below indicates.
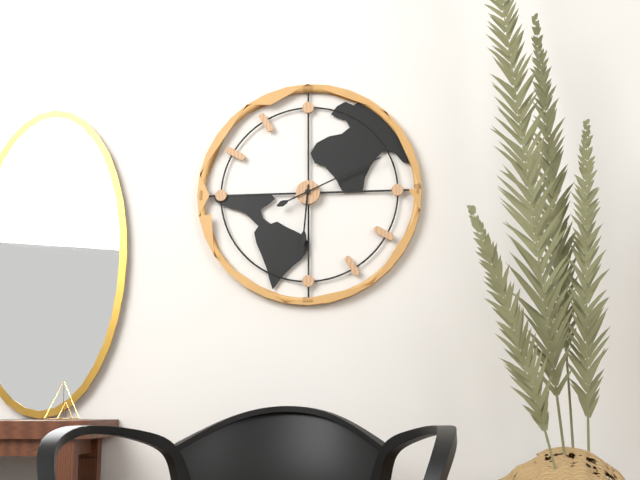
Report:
6h11
